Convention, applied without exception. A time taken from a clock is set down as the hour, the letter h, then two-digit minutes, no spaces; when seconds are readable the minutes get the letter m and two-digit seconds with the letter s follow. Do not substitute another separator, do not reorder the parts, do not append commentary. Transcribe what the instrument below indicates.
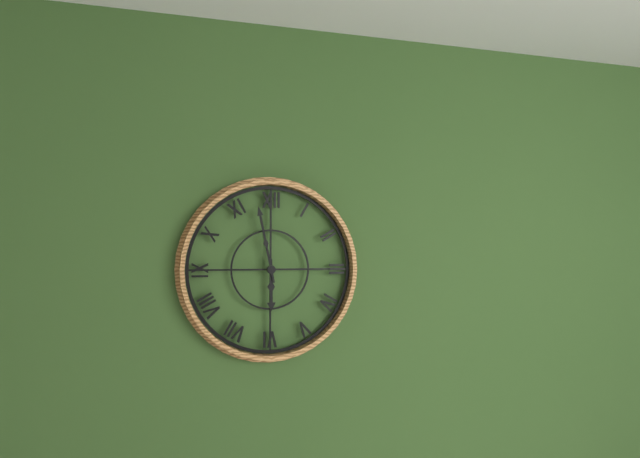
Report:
5h58
